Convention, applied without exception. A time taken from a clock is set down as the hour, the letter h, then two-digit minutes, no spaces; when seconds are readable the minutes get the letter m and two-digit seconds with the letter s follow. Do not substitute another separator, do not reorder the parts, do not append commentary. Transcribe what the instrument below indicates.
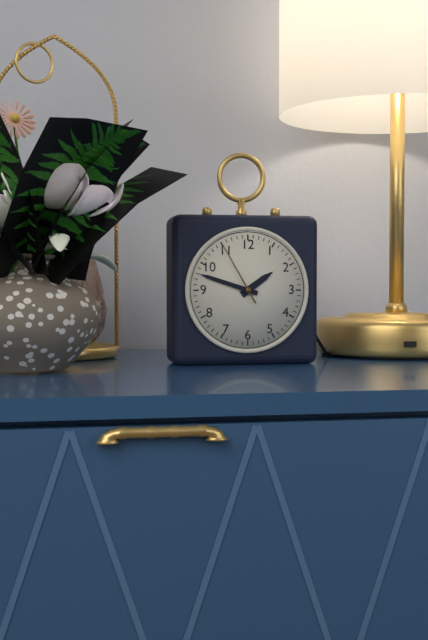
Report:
1h48m55s
